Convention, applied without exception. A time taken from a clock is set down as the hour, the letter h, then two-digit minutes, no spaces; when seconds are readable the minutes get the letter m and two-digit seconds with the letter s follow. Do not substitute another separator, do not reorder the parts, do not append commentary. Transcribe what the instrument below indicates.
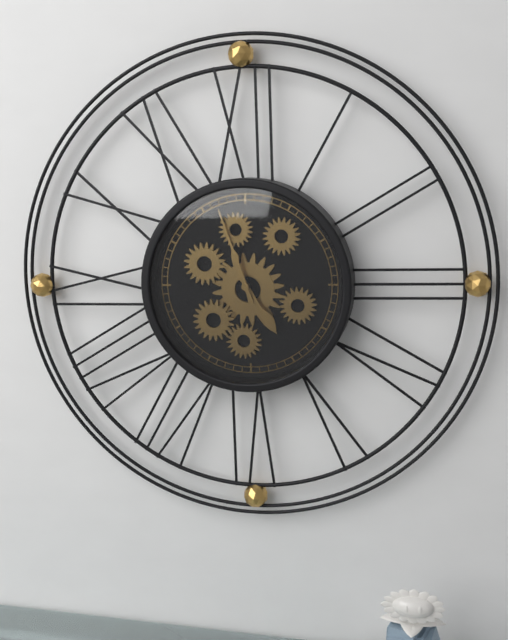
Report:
4h57
